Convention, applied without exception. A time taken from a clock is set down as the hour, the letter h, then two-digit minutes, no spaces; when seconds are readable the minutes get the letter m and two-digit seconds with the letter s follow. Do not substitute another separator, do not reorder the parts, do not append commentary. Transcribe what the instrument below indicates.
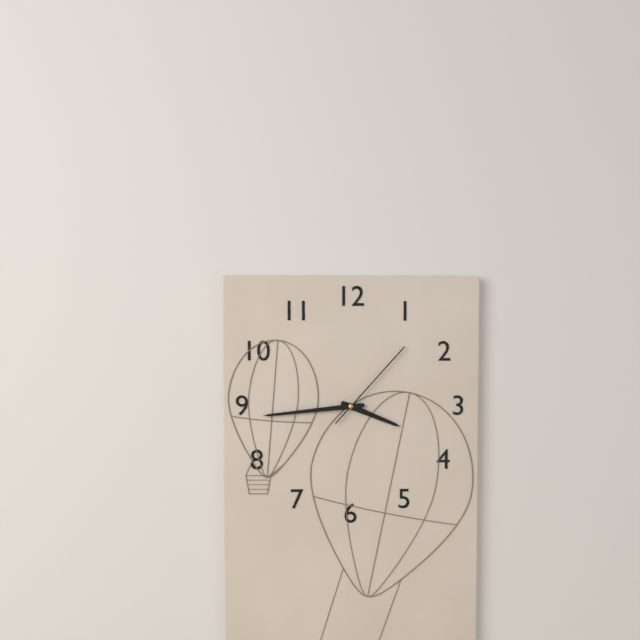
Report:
3h44m07s
